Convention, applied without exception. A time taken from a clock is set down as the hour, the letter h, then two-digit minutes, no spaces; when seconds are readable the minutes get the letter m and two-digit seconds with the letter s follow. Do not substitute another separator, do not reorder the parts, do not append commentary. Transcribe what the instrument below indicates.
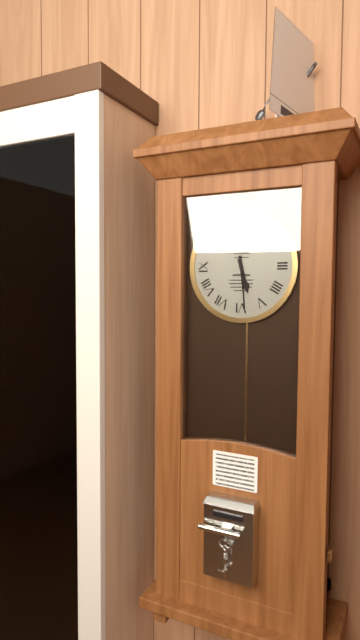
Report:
5h29
